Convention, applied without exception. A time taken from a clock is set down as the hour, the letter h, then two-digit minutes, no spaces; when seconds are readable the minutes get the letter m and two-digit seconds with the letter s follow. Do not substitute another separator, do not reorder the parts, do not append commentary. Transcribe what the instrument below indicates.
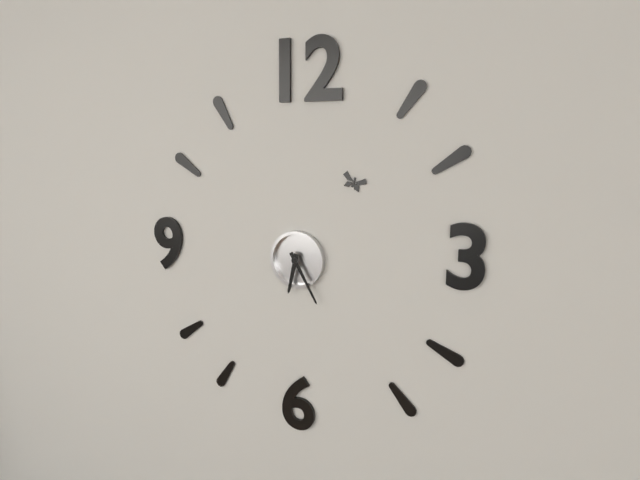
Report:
6h25
